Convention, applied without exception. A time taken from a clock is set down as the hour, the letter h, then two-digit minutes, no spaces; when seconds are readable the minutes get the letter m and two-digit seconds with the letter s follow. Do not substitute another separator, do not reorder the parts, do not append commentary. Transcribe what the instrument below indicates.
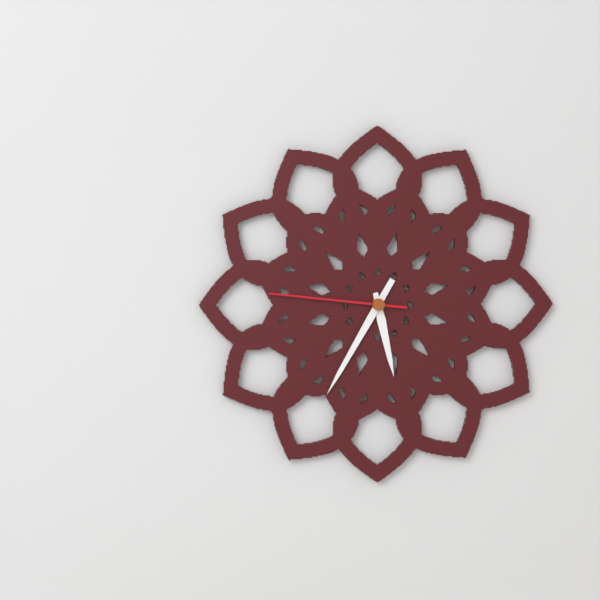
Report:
5h35m46s
